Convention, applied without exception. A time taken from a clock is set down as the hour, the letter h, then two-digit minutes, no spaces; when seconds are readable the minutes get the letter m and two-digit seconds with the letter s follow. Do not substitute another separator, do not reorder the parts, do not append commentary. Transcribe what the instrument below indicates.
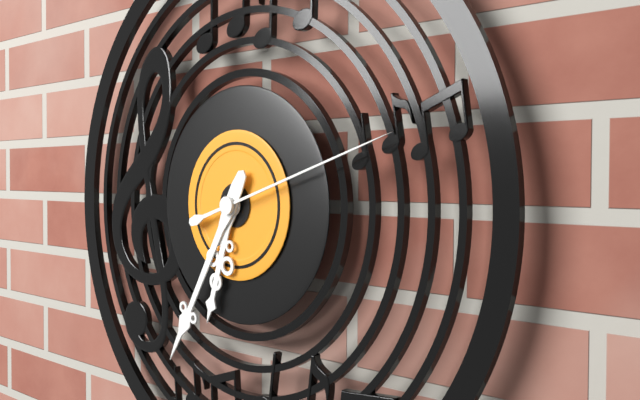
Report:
6h35m12s
